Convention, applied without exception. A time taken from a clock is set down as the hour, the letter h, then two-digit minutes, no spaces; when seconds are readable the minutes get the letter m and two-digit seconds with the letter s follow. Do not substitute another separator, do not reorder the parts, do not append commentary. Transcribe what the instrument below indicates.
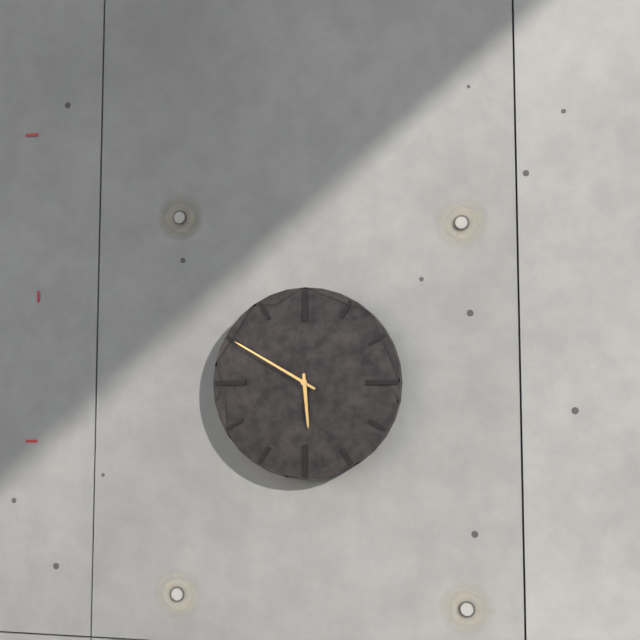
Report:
5h50
